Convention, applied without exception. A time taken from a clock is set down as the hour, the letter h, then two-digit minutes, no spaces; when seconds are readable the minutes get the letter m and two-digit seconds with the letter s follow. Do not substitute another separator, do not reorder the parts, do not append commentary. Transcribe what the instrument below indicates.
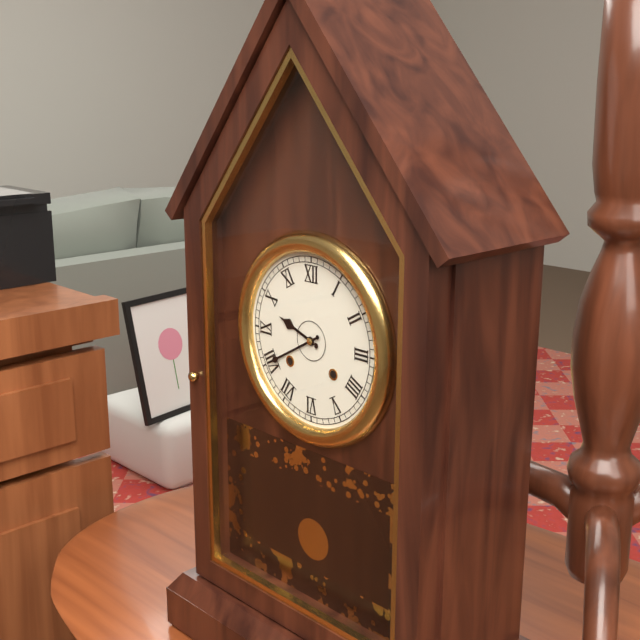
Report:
9h40
